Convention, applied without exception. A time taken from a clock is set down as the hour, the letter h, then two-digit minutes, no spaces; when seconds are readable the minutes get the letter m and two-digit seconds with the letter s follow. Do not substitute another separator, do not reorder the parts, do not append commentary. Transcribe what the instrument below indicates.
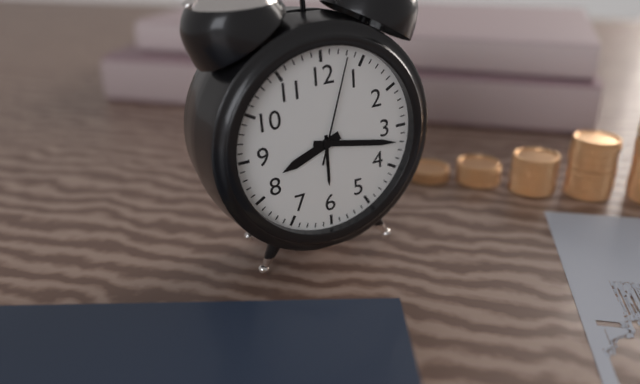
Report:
8h17m03s
